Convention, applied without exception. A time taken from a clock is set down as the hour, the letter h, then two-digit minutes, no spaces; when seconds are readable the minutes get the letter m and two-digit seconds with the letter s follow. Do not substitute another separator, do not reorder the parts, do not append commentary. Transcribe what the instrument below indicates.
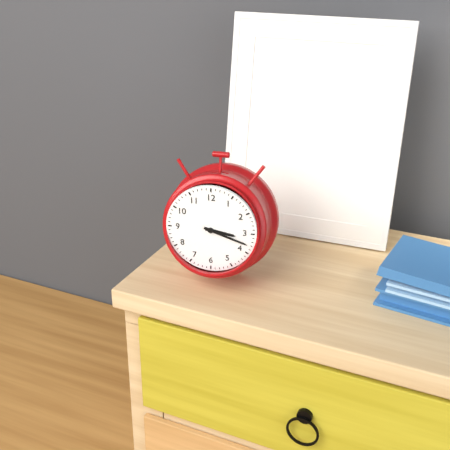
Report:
3h18
